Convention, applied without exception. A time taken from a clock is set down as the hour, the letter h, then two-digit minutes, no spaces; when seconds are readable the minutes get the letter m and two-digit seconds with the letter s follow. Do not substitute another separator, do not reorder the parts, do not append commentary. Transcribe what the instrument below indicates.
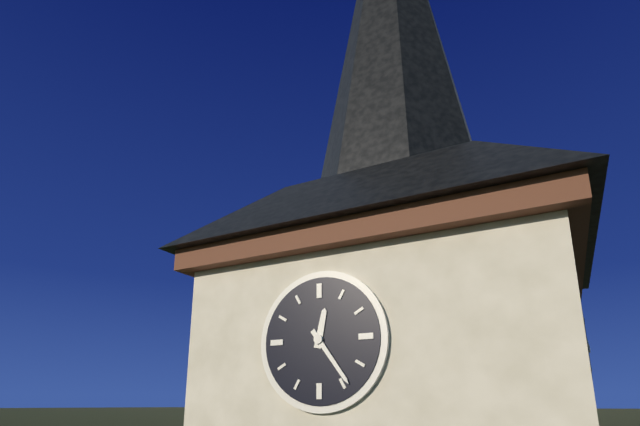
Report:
12h24
